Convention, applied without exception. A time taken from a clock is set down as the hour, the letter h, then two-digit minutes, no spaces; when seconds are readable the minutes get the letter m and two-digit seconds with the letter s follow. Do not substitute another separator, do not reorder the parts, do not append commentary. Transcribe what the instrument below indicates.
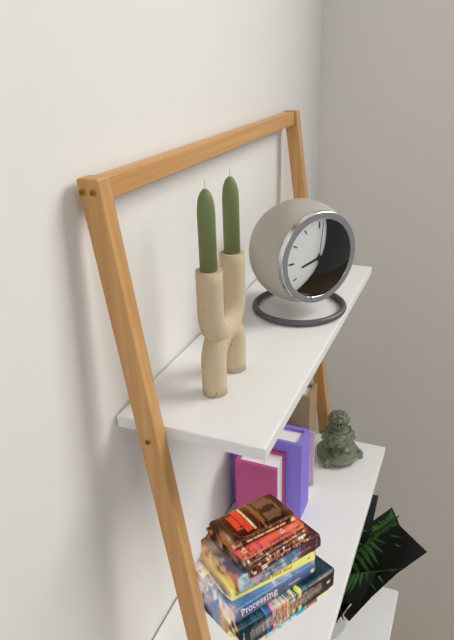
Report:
8h30
